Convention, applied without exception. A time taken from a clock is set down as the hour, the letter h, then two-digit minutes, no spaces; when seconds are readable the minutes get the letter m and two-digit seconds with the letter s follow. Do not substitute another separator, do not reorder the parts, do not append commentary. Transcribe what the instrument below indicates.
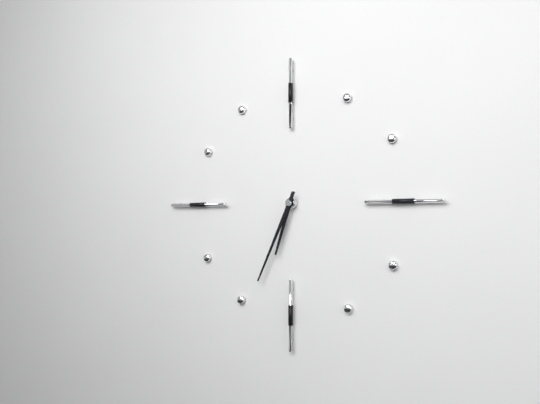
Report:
6h34
